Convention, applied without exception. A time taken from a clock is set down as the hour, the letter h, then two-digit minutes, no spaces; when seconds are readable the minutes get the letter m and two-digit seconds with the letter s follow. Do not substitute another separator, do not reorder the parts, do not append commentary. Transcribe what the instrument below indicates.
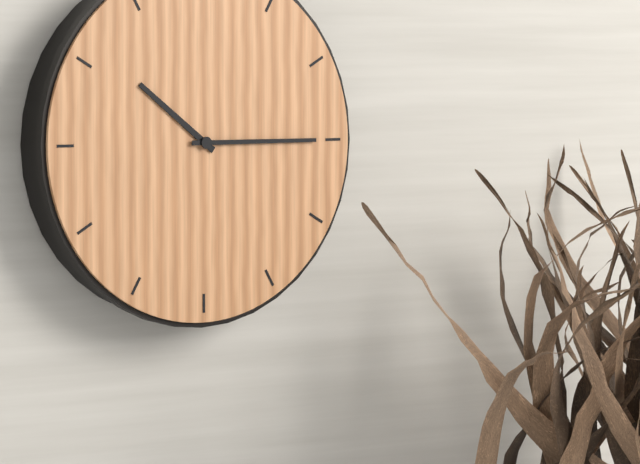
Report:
10h15
